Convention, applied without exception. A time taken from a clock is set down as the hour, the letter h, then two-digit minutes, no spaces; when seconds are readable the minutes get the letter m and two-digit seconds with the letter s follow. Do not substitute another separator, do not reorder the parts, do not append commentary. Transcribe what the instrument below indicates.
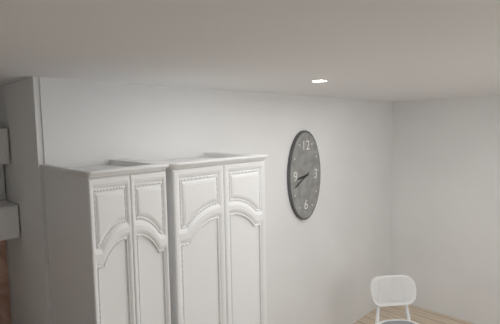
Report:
8h40
